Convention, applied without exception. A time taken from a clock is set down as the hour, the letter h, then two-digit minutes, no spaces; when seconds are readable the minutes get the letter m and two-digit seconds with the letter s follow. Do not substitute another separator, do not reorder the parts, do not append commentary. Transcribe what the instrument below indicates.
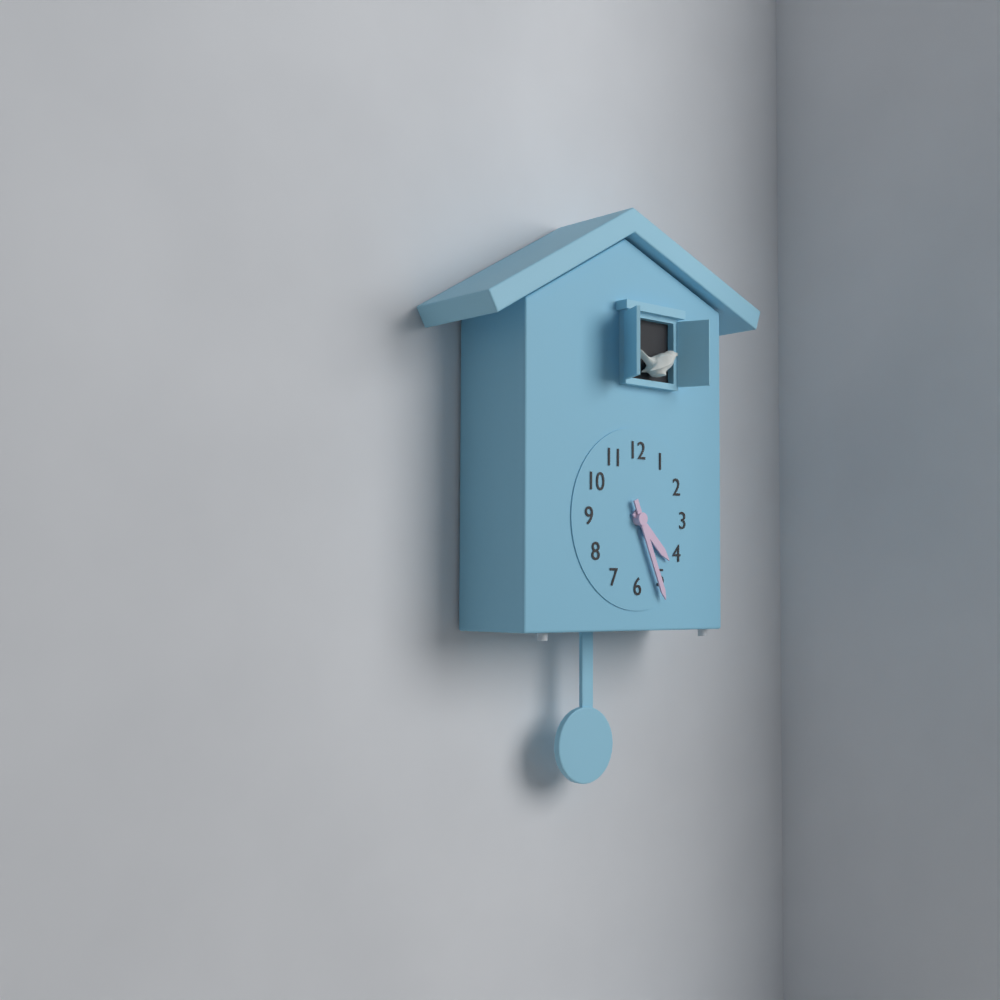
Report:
4h26
